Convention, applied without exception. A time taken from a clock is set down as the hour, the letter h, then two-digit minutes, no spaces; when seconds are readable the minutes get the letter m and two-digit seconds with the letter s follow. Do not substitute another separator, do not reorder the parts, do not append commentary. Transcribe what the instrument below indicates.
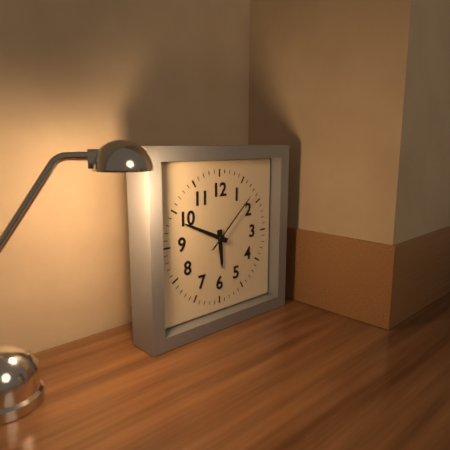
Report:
5h49m08s
